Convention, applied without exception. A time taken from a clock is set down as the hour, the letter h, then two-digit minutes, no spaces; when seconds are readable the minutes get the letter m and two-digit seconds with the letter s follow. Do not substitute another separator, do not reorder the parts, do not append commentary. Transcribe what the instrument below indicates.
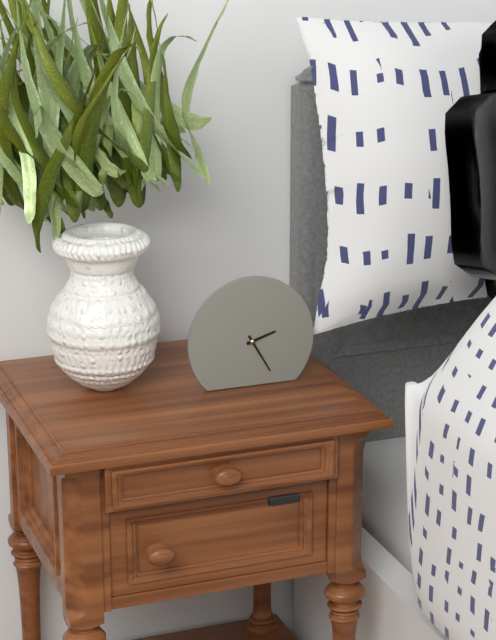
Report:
2h25
